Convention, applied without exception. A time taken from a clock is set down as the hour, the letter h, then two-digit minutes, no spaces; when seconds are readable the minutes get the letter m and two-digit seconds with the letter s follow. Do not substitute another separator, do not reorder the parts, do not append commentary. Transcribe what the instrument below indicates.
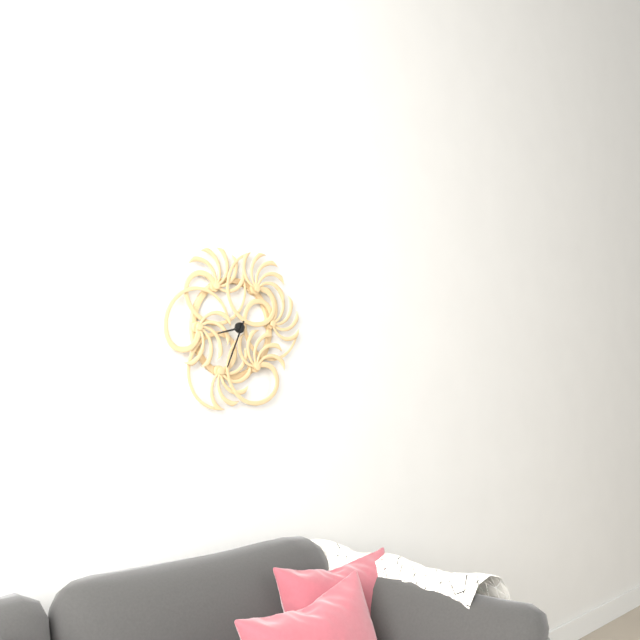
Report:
8h34
